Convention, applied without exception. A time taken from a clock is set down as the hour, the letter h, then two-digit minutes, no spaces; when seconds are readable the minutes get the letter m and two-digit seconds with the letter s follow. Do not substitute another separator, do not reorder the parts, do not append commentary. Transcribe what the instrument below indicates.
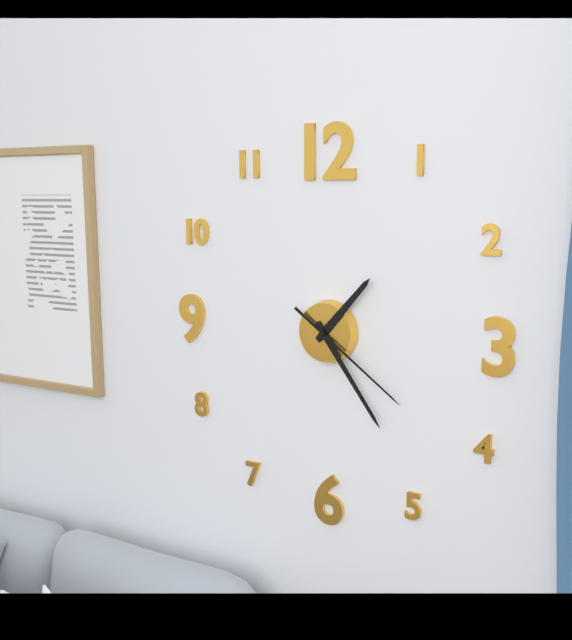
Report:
1h24m21s
